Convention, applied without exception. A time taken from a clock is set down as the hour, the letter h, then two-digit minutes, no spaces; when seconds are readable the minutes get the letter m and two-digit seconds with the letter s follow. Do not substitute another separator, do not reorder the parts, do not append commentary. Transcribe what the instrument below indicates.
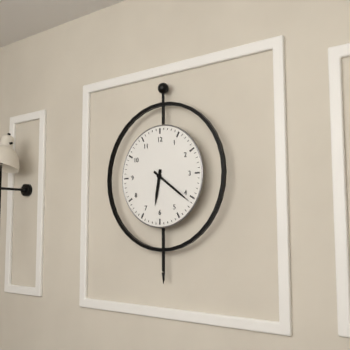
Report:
6h21
